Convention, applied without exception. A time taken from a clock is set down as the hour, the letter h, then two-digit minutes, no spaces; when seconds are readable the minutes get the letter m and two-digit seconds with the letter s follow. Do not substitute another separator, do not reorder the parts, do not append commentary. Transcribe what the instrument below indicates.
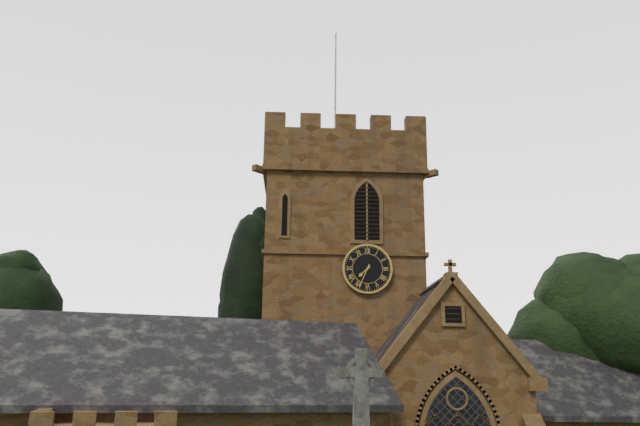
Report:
7h34
